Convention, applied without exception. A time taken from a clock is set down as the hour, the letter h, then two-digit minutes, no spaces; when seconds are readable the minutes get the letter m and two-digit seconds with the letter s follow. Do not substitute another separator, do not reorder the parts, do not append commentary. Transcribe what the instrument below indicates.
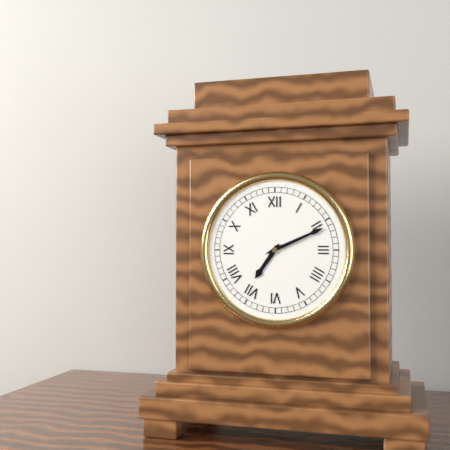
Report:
7h11
